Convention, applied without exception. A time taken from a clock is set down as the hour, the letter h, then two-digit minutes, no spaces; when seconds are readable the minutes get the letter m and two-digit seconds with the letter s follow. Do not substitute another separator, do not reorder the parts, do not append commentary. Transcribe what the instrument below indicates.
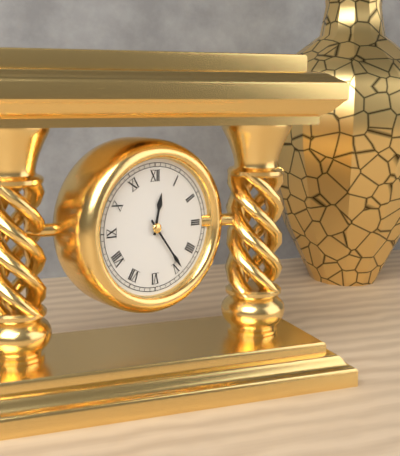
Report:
12h24
